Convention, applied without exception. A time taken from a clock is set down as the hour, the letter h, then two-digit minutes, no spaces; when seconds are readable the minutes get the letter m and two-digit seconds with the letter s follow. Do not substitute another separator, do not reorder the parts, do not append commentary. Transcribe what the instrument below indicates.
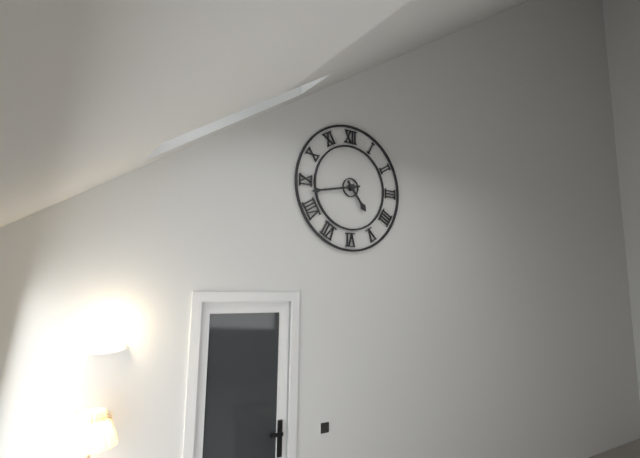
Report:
4h43
